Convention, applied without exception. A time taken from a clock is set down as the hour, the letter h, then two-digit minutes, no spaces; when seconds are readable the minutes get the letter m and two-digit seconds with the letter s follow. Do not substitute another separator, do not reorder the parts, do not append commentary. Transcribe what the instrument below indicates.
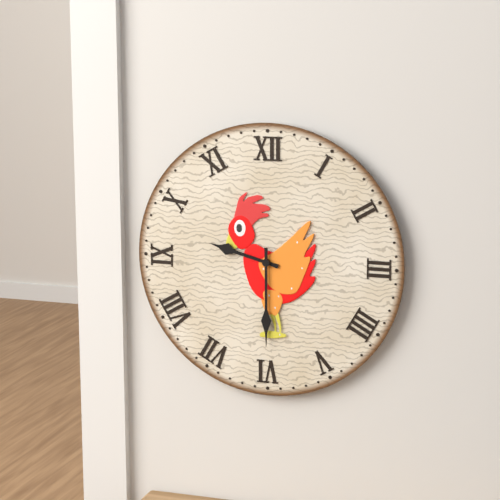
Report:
9h30
